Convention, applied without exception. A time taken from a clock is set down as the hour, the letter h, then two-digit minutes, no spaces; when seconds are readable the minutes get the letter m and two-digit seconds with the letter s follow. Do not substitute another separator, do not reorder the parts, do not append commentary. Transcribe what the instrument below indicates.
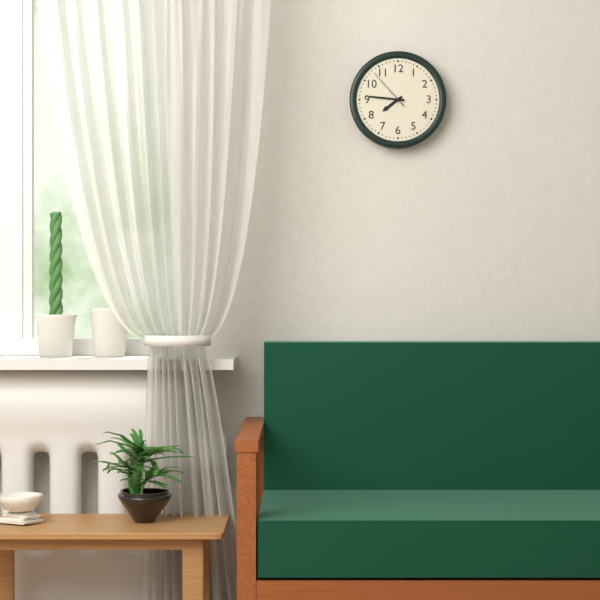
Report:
7h46
